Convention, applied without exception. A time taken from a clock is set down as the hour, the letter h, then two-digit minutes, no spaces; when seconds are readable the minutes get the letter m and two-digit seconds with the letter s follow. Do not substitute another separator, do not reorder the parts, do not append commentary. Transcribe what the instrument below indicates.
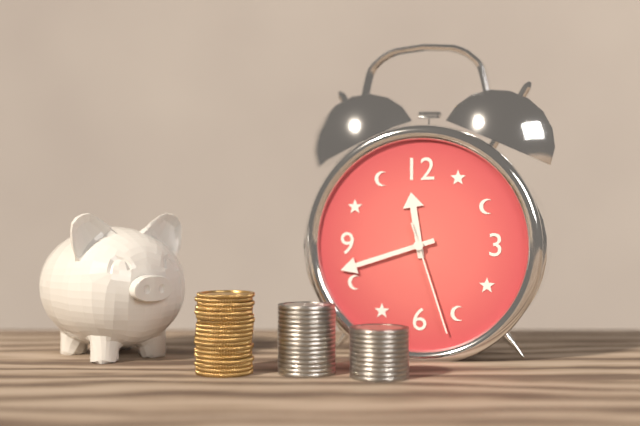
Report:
11h42m27s
